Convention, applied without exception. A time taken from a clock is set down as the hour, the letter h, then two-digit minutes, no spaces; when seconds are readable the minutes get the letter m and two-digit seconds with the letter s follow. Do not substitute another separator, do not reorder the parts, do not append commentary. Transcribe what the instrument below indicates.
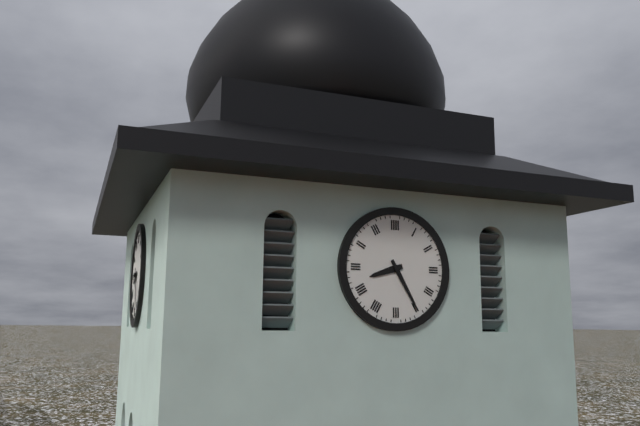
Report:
8h25
